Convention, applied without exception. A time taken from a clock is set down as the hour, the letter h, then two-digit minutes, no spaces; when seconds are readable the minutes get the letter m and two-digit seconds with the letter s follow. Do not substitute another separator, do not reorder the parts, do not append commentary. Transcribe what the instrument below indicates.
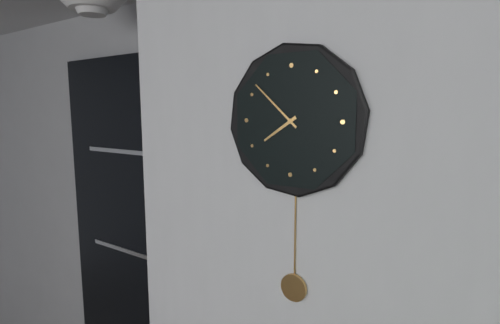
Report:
7h52
